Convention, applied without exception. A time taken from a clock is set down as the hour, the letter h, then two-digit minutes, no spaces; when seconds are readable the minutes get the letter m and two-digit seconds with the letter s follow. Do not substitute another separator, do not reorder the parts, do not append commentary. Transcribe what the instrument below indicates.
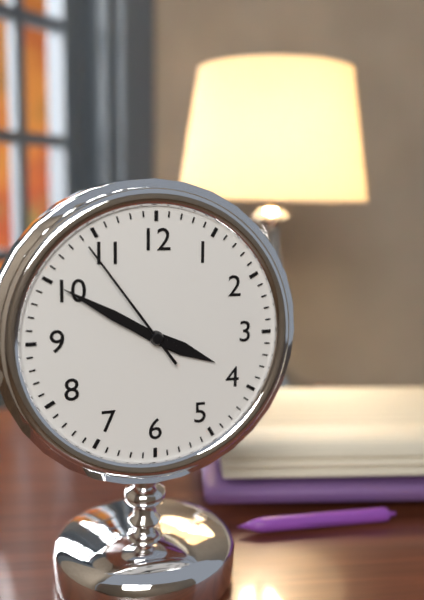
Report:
3h50m54s
